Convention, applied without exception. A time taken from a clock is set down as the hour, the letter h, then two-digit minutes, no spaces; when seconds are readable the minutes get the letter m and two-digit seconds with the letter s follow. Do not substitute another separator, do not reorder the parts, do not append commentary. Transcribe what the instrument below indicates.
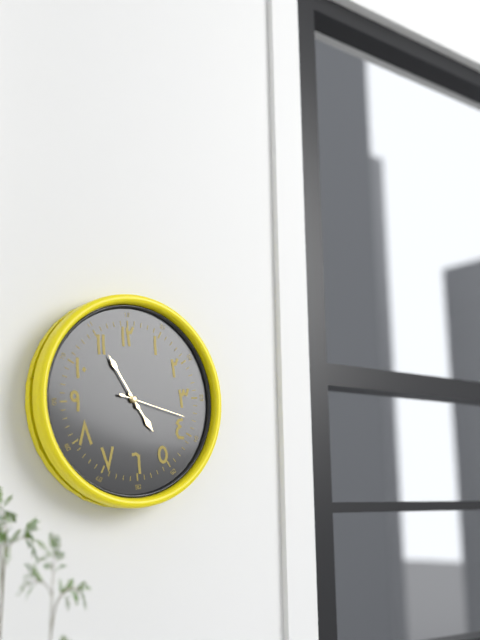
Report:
4h55m18s
